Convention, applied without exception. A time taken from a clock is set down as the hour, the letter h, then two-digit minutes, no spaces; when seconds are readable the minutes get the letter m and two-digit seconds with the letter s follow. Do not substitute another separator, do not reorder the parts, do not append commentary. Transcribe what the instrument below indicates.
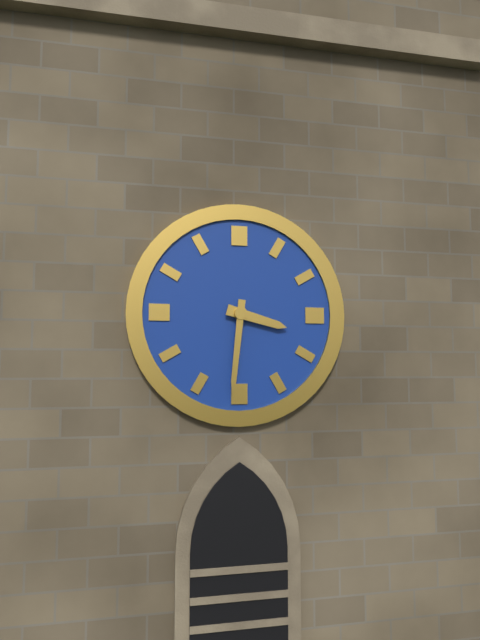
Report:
3h31
